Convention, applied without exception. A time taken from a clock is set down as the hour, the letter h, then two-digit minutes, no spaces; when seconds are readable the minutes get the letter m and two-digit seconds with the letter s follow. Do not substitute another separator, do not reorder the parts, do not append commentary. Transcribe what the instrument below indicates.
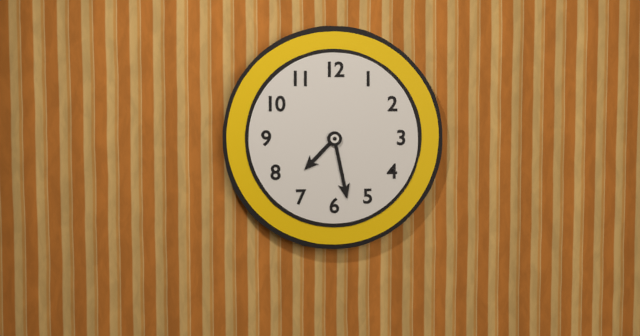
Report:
7h28
